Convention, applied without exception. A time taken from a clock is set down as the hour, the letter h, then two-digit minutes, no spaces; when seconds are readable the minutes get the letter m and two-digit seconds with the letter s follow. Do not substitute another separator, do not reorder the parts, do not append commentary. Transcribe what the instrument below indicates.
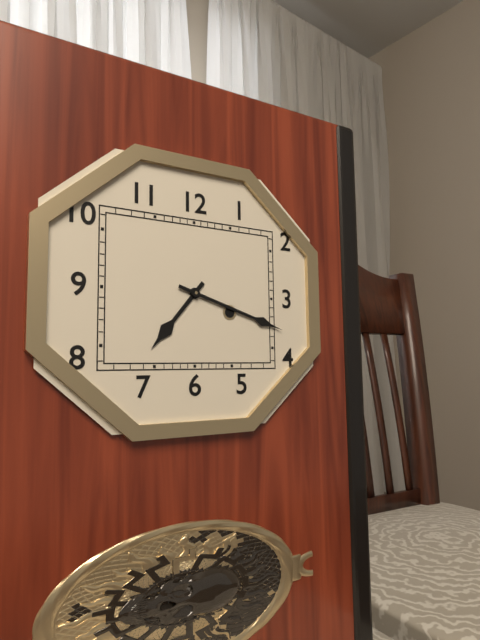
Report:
7h18
